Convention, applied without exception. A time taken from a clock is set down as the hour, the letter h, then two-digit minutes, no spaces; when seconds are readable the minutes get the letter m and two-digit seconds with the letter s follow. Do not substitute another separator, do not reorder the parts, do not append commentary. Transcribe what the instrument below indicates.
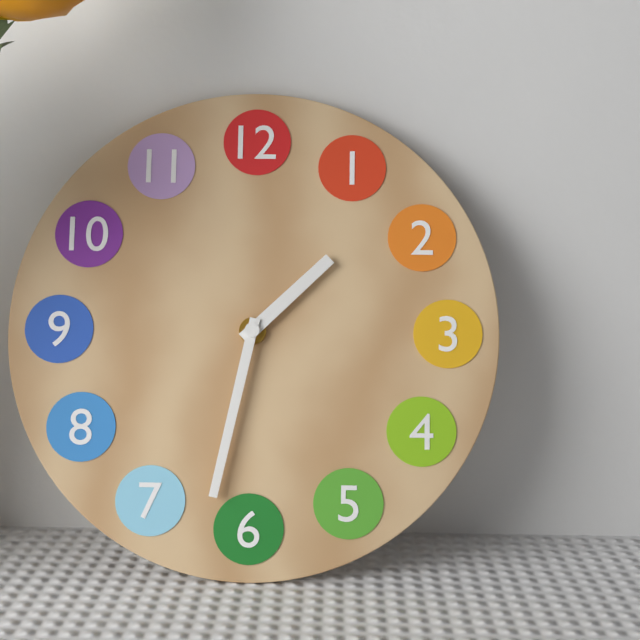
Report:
1h32
